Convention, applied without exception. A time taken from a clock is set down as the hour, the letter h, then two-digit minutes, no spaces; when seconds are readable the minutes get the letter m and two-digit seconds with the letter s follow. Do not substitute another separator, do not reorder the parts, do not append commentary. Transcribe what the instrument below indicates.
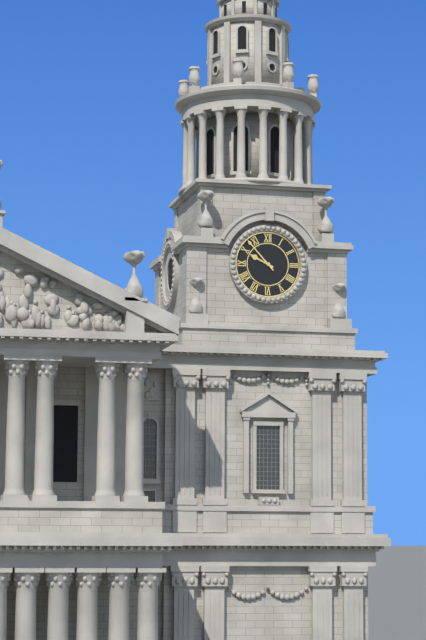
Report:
9h53
